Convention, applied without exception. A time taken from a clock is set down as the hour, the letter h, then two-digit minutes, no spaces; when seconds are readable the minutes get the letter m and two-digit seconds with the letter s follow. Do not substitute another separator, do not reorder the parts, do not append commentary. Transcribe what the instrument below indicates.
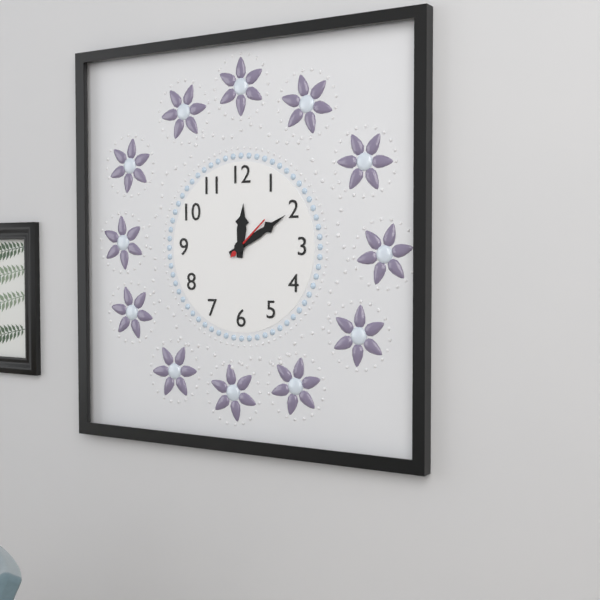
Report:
12h10
